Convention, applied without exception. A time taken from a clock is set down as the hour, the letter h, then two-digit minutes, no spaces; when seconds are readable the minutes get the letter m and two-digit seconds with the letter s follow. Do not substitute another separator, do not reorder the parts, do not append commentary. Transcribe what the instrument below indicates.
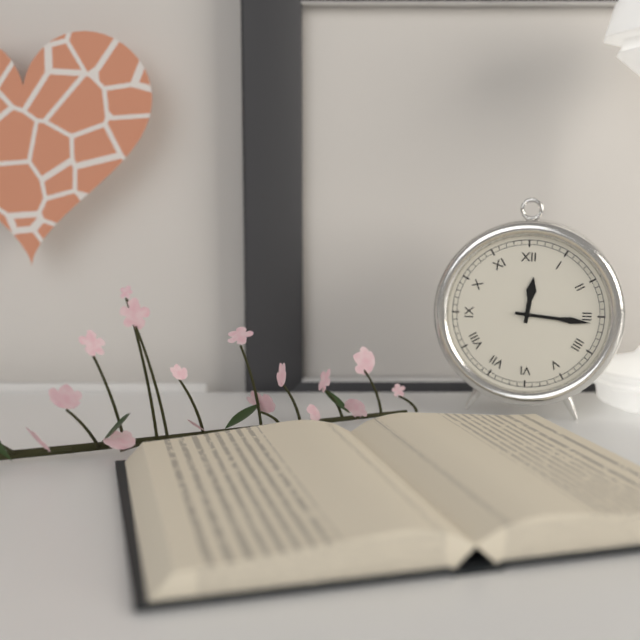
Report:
12h16
